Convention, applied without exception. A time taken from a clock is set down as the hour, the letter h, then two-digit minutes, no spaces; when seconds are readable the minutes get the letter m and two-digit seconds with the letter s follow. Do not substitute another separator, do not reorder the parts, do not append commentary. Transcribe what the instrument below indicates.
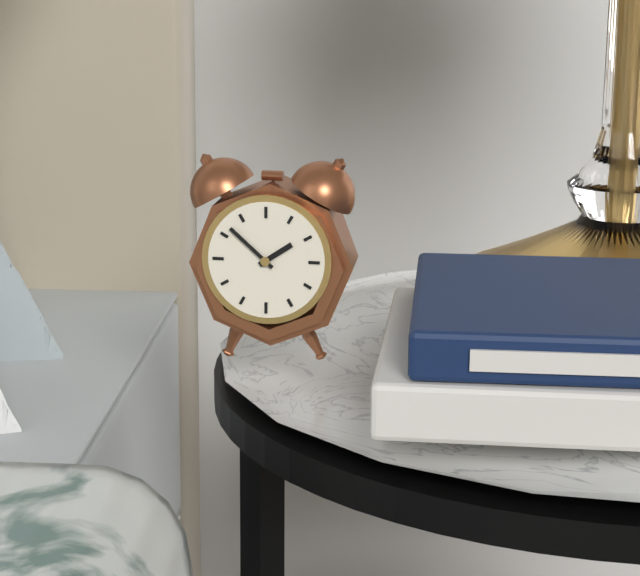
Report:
1h52
